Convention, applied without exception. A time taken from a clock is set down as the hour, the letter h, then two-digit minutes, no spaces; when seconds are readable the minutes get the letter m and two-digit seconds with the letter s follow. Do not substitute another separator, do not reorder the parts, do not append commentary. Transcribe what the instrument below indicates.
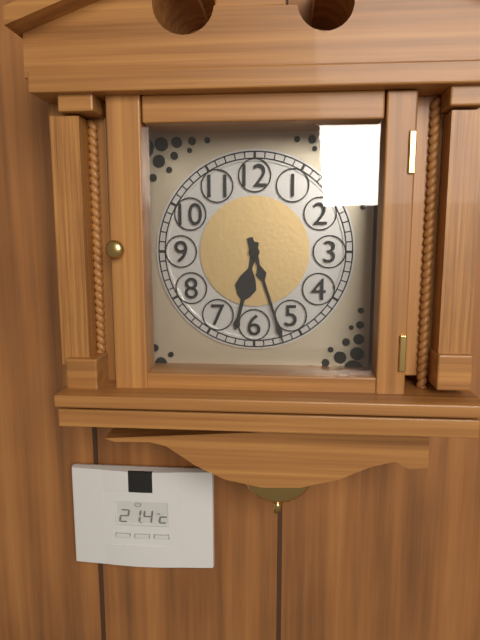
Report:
6h27
